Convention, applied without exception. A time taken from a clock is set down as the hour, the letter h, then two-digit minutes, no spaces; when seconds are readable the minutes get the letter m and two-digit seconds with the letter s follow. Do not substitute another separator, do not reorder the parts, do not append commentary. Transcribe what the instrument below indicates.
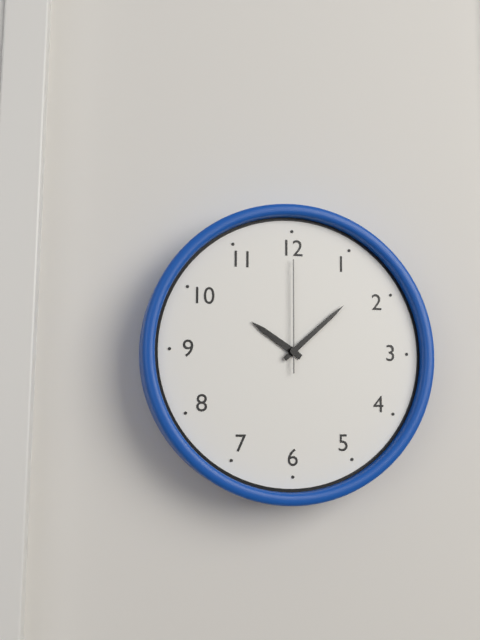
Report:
10h08m00s
